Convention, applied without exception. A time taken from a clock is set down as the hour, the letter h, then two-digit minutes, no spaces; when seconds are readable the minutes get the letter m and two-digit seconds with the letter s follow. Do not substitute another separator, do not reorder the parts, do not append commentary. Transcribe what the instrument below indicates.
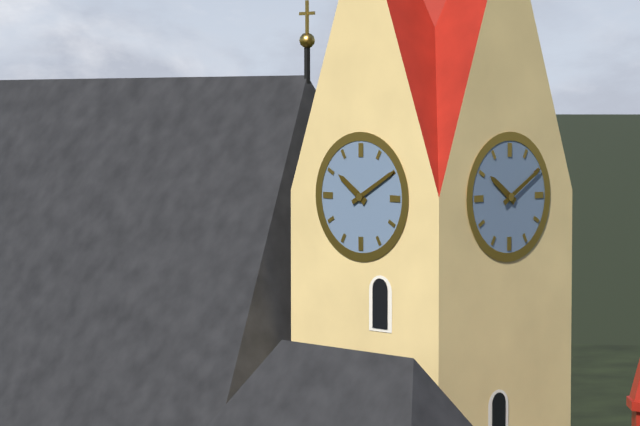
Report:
10h10
